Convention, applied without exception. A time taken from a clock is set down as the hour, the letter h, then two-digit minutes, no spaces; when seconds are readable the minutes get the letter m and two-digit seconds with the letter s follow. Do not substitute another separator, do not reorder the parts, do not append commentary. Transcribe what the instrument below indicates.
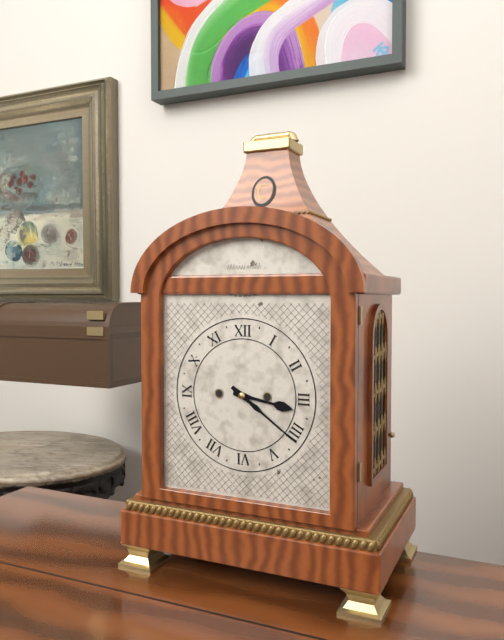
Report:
3h21
